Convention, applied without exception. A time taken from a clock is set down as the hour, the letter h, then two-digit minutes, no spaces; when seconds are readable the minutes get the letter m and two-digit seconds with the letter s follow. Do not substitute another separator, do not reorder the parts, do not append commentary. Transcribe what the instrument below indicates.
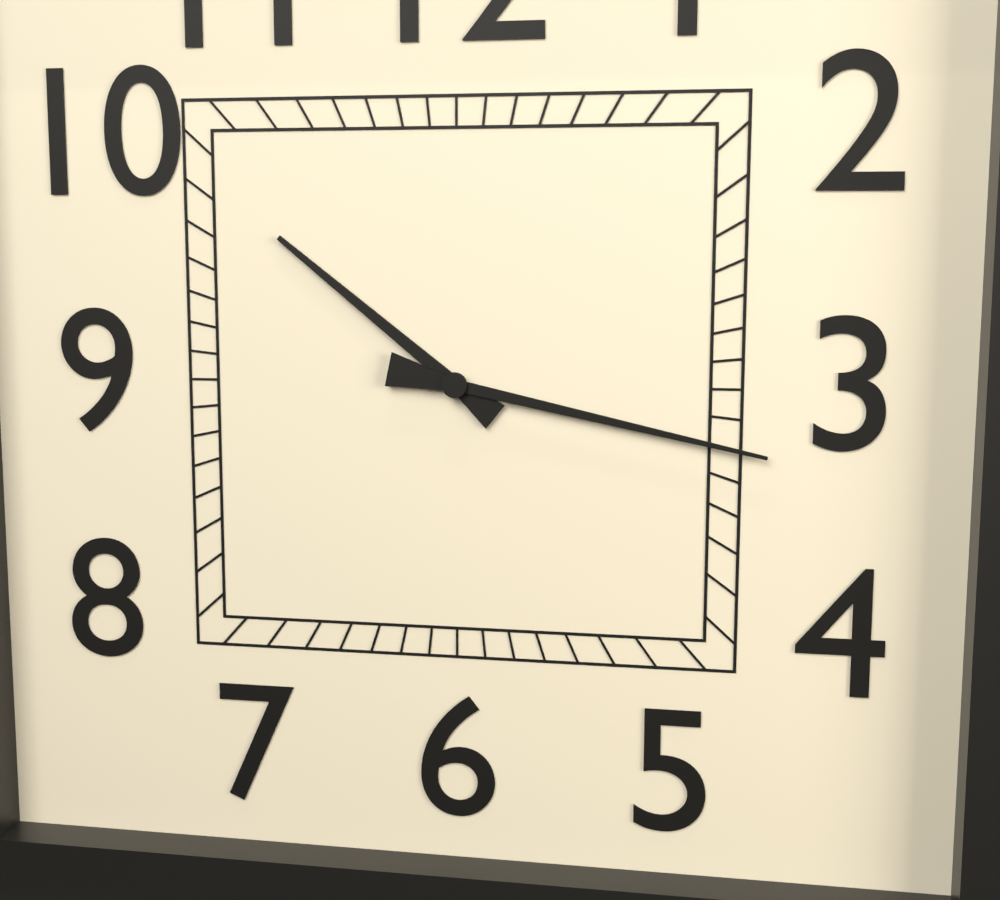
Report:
10h17
